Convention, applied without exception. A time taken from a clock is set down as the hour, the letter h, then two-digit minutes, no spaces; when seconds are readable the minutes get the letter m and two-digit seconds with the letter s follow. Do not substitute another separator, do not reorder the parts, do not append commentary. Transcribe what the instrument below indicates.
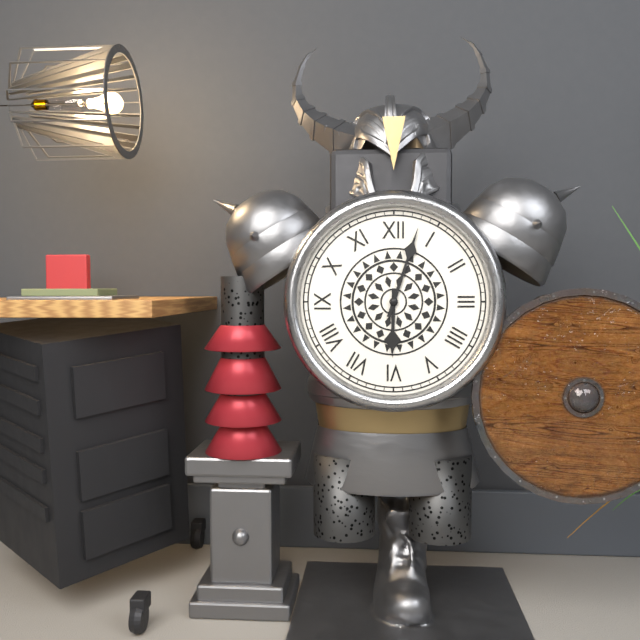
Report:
6h03
